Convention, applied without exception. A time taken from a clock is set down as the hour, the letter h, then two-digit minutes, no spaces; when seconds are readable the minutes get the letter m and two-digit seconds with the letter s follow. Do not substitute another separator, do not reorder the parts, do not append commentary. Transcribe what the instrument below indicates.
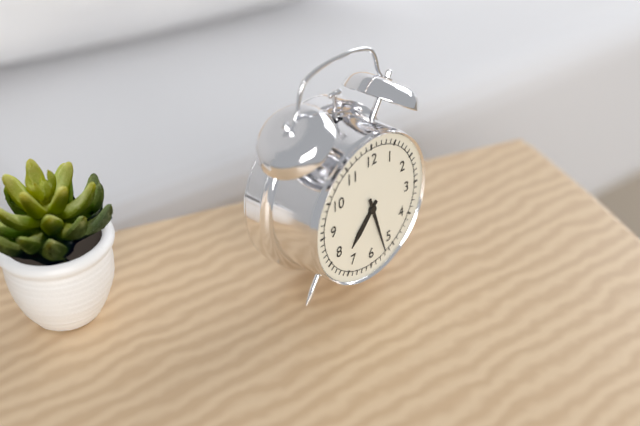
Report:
7h27
